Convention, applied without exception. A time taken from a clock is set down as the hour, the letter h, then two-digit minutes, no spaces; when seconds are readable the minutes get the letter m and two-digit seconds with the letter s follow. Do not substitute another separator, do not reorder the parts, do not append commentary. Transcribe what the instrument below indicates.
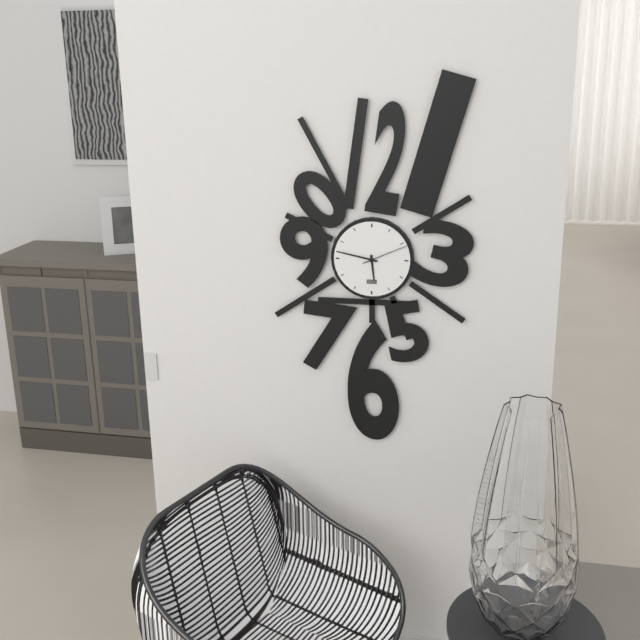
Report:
5h47m11s
